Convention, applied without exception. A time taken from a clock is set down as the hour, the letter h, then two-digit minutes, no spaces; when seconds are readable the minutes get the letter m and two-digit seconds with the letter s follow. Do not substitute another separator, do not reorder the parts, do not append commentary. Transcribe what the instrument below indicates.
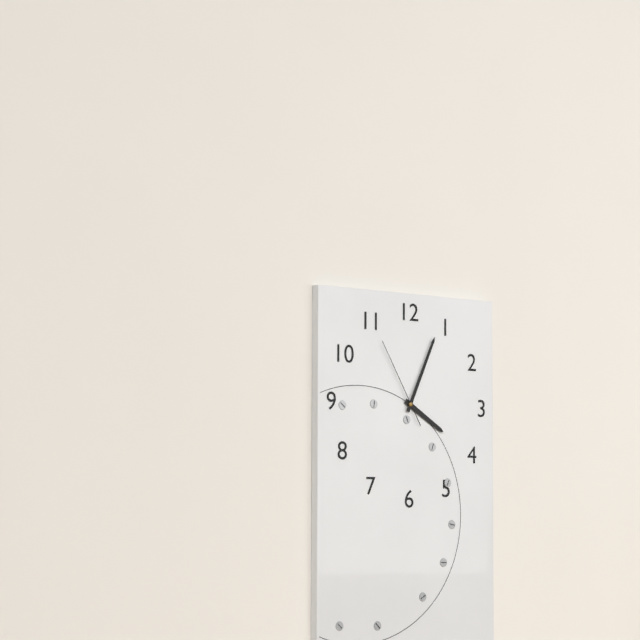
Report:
4h04m55s
